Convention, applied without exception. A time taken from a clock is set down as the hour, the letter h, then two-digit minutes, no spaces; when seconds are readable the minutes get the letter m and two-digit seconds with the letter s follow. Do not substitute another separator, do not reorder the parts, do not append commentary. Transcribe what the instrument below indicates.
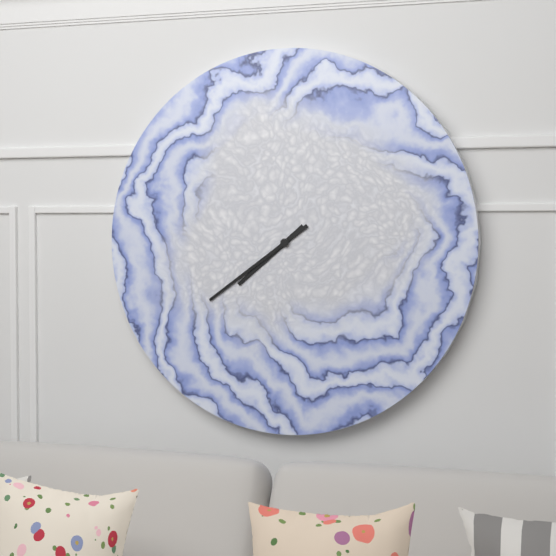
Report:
7h39
